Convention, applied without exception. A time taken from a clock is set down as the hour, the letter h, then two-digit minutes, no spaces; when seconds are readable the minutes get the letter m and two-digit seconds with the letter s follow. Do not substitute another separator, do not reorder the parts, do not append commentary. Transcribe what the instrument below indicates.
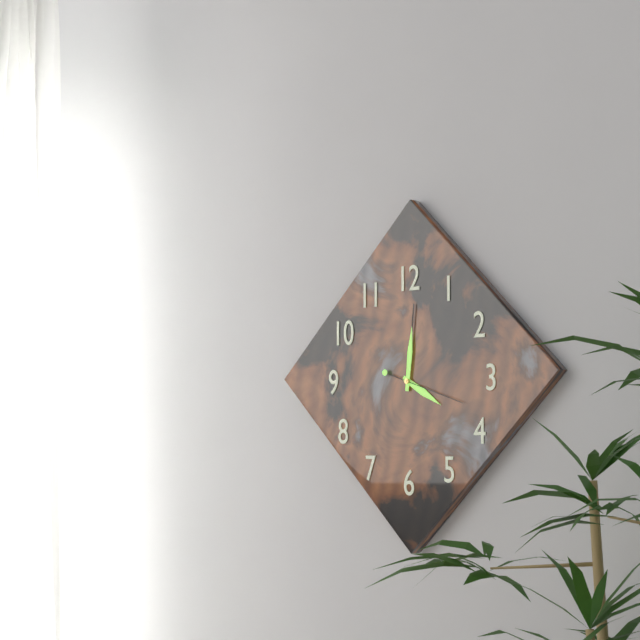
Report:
4h01m18s
